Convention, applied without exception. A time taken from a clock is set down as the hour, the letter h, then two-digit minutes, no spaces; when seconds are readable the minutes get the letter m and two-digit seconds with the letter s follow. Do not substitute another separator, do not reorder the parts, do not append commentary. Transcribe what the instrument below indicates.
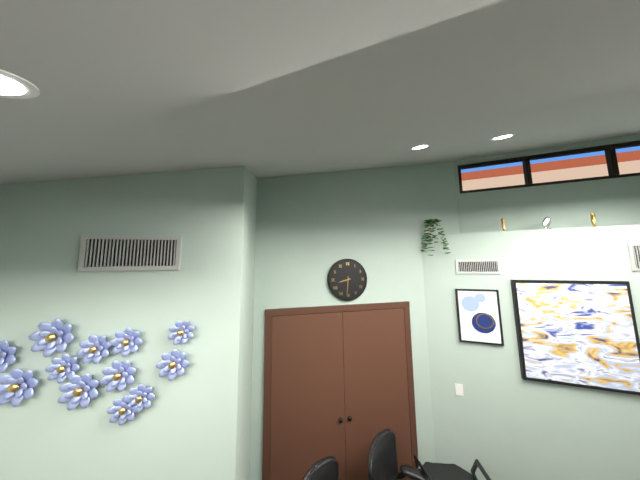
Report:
8h31
